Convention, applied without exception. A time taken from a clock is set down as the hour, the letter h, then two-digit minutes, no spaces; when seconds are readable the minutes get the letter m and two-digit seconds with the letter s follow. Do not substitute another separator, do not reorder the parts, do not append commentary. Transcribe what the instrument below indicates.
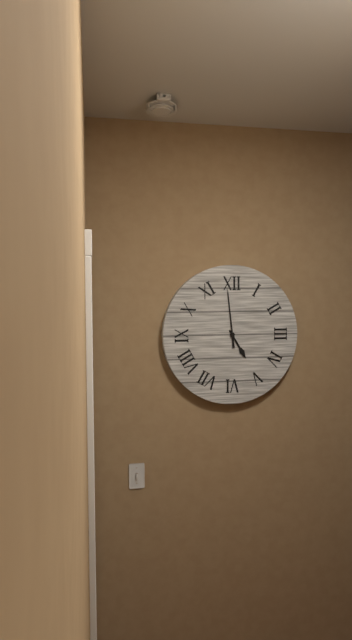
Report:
4h59
